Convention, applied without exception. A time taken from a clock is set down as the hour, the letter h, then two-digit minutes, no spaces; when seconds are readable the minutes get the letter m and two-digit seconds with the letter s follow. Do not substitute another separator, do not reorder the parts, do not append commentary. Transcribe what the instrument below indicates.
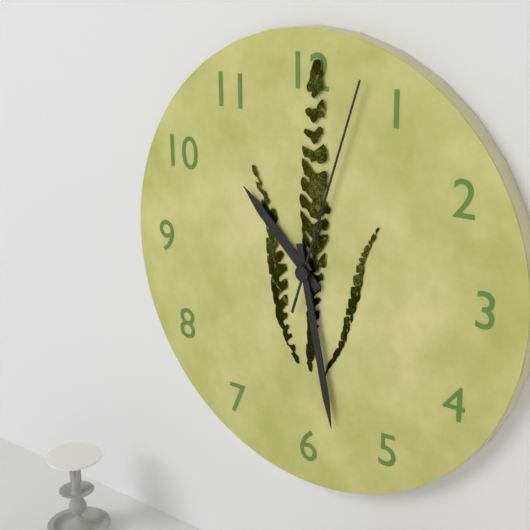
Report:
10h28m03s
